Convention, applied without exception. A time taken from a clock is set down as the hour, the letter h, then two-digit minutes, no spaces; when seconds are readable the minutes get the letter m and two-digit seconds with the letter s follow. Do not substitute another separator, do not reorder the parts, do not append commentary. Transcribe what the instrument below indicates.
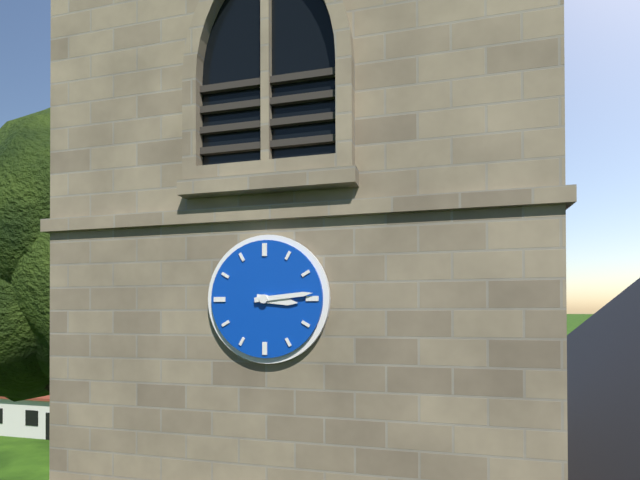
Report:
3h14
